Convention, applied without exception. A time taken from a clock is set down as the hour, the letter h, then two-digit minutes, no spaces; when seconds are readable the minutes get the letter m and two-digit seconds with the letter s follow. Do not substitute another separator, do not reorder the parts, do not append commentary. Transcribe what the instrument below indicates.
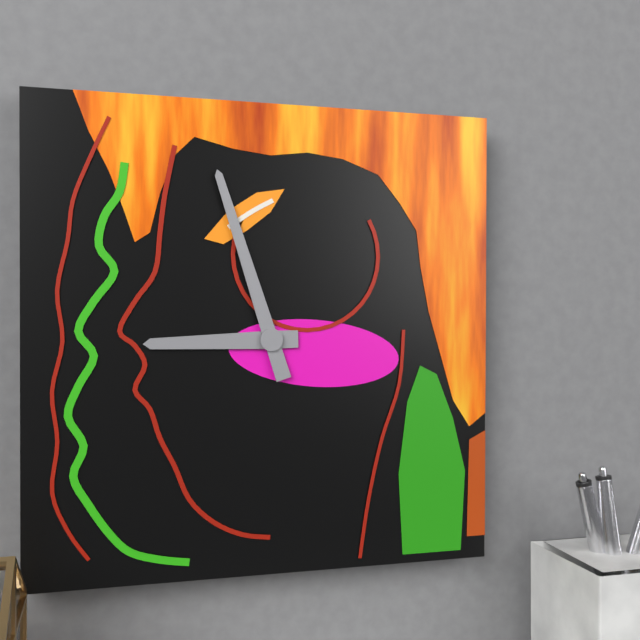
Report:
8h57
